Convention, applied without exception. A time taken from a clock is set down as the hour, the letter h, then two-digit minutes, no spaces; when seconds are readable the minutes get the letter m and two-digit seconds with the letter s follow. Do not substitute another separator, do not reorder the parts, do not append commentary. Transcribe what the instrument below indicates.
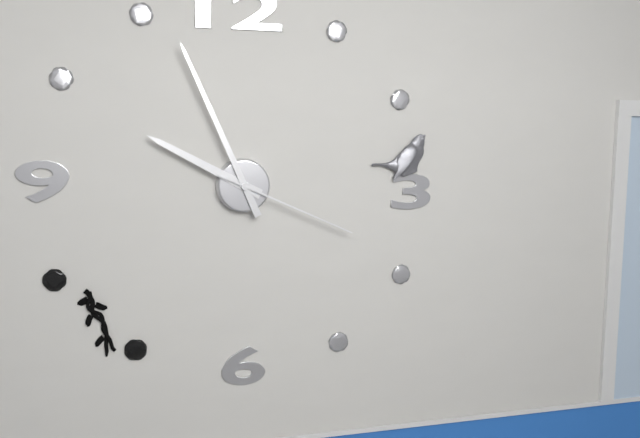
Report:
9h56m19s
